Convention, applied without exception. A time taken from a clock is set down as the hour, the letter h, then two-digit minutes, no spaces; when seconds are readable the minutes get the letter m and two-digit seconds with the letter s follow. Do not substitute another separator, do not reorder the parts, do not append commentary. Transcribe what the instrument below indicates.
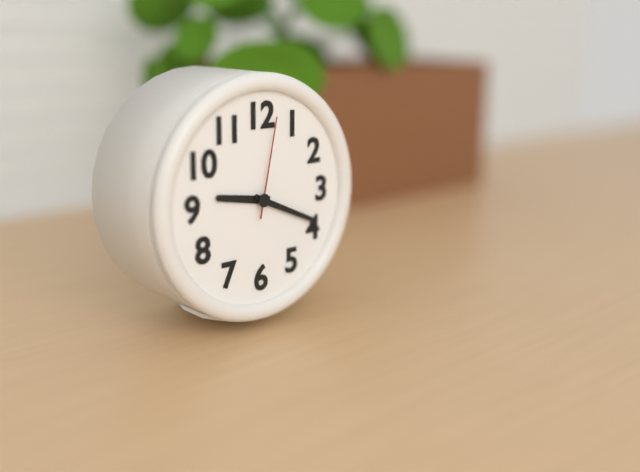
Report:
9h19m02s
